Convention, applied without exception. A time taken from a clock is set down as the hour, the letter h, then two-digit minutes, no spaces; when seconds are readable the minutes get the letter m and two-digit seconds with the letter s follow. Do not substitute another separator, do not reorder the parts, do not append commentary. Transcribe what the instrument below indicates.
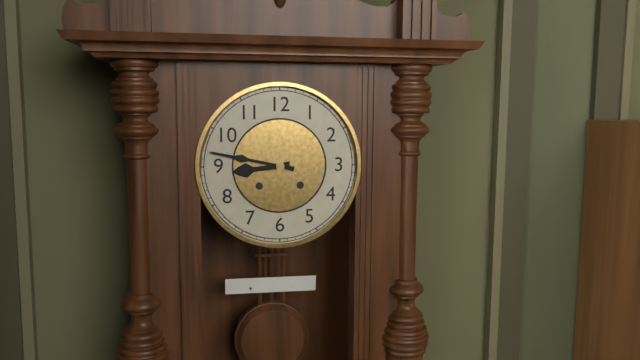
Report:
8h47
